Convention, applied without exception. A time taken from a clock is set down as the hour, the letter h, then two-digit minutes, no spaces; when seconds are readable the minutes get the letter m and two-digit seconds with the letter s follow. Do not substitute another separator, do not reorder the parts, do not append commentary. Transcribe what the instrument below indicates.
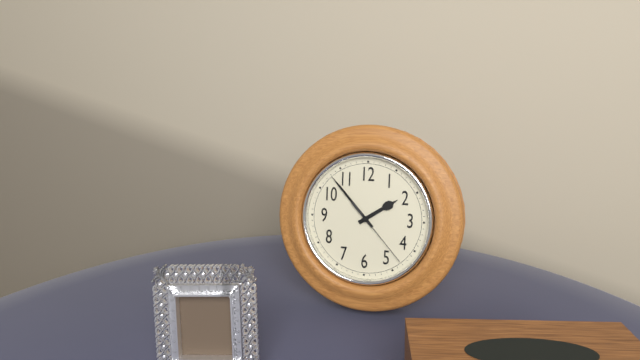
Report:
1h53m23s
